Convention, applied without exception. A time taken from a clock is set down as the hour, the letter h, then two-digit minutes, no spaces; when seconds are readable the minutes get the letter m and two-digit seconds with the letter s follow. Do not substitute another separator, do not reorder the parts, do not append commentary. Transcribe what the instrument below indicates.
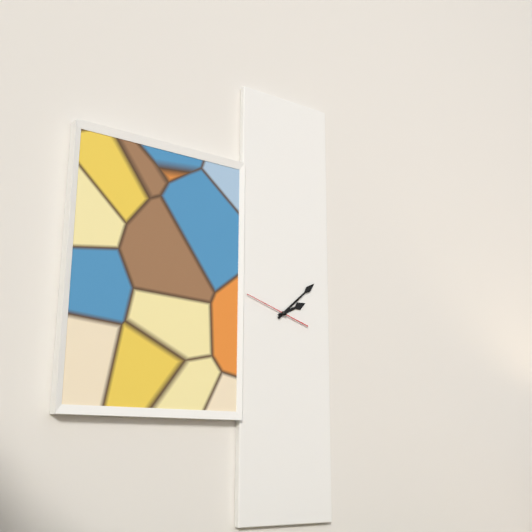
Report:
2h08m48s
